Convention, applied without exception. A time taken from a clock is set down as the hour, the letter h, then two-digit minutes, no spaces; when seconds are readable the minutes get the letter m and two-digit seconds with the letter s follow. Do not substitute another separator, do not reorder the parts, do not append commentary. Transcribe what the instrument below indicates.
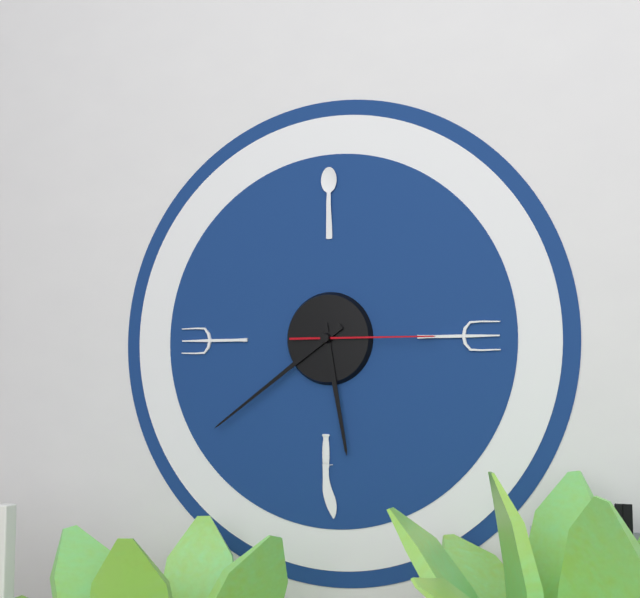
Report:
5h39m15s
